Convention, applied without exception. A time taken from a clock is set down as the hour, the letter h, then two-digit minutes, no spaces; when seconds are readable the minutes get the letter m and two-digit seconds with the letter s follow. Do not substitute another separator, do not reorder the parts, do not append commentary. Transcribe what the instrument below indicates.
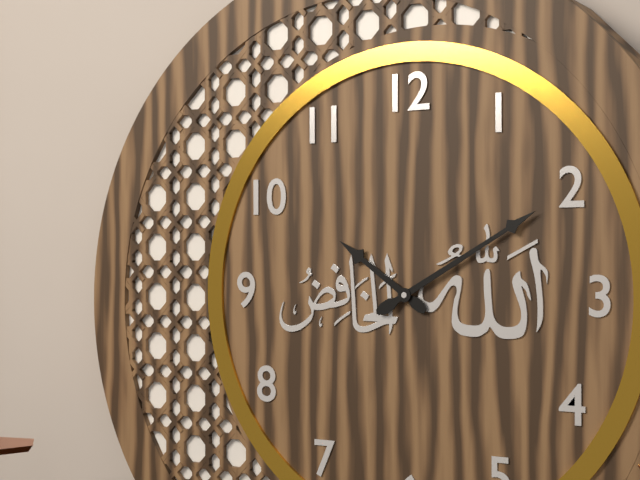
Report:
10h10
